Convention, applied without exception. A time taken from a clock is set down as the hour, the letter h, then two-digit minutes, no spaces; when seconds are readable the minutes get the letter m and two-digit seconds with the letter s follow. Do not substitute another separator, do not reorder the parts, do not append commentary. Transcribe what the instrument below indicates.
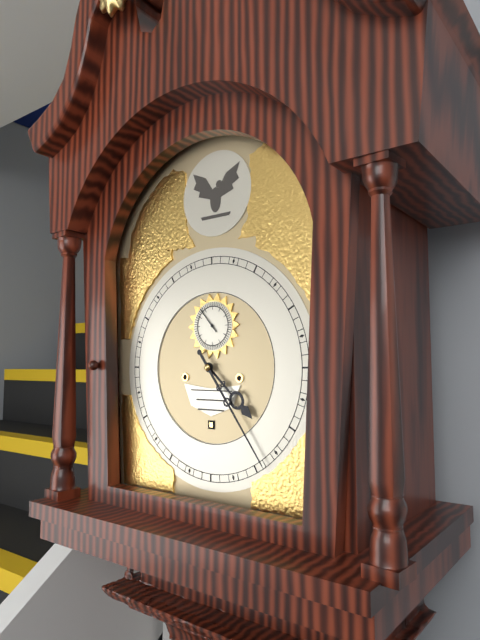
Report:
4h24
